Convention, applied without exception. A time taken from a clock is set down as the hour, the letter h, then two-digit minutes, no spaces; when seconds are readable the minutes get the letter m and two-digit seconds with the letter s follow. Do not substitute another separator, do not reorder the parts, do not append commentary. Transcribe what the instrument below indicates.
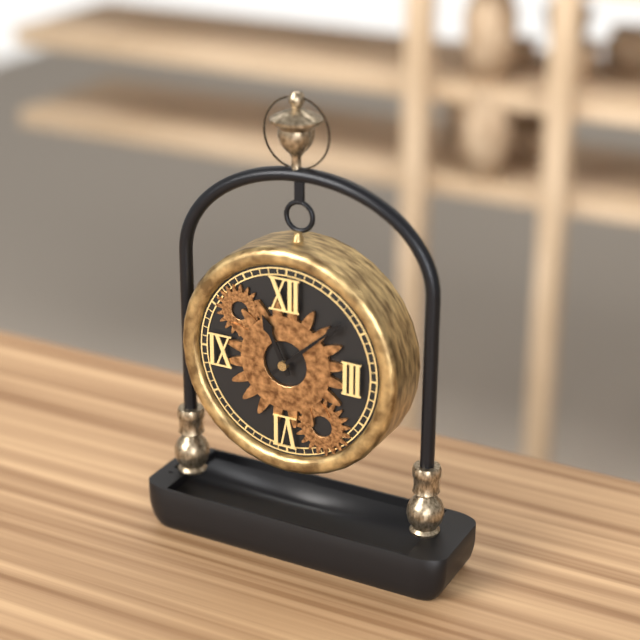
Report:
11h08
